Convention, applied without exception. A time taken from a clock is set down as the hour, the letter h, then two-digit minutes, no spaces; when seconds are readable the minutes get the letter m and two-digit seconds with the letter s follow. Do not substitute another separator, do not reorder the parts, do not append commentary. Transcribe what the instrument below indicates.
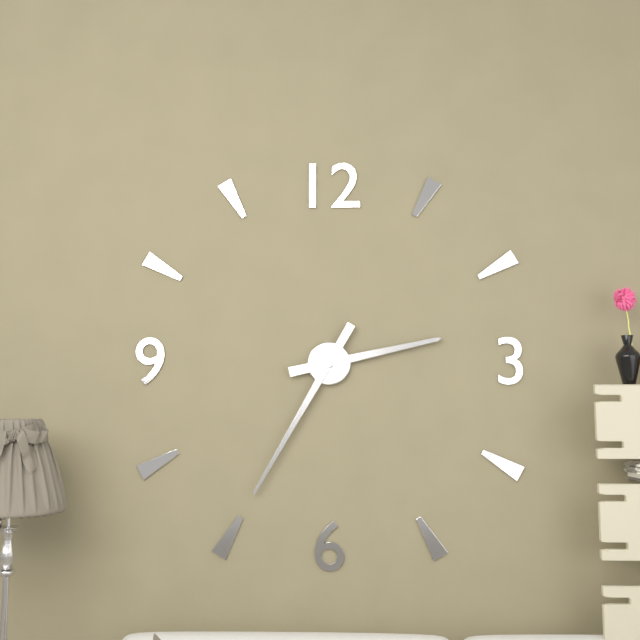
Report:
2h35
